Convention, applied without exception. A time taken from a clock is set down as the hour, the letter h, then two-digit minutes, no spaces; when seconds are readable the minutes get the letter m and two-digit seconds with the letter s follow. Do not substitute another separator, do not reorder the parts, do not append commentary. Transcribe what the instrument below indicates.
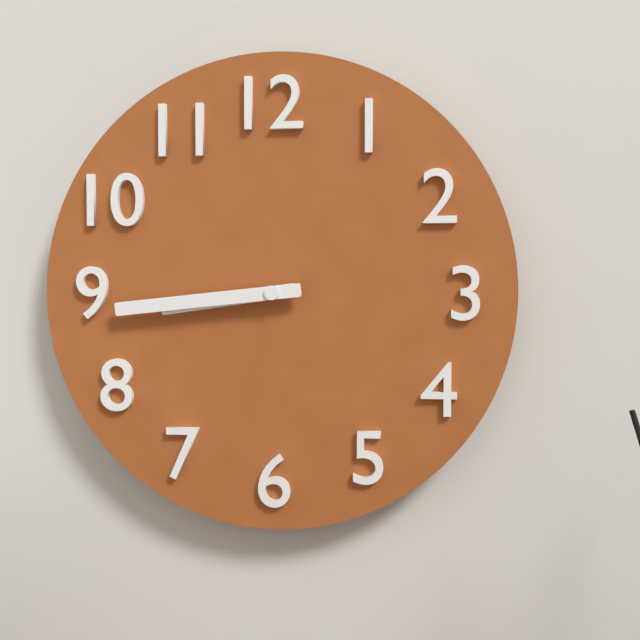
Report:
8h44
